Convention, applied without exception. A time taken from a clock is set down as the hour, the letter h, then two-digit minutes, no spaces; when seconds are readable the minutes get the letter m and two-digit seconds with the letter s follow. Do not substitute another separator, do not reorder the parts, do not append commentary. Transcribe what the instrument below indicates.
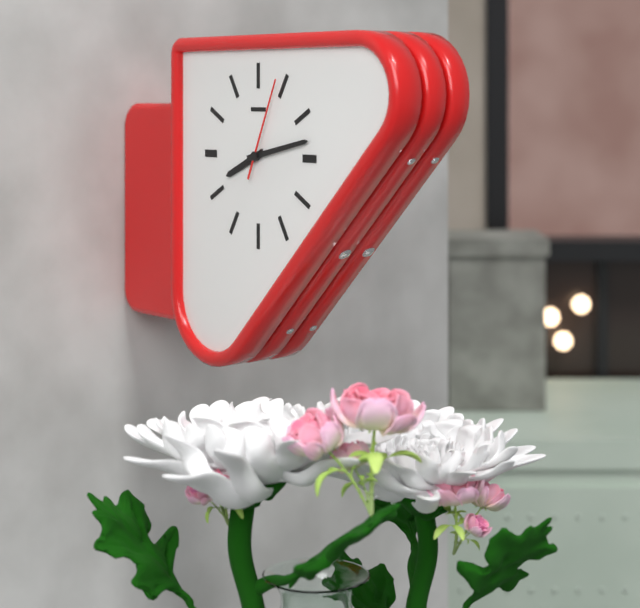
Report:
8h13m04s
